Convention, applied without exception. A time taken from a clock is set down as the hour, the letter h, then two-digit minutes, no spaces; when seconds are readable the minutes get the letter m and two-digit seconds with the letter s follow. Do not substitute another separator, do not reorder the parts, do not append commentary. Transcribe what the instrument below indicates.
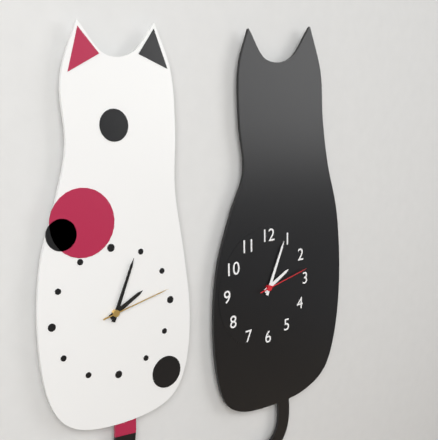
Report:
2h04m13s
